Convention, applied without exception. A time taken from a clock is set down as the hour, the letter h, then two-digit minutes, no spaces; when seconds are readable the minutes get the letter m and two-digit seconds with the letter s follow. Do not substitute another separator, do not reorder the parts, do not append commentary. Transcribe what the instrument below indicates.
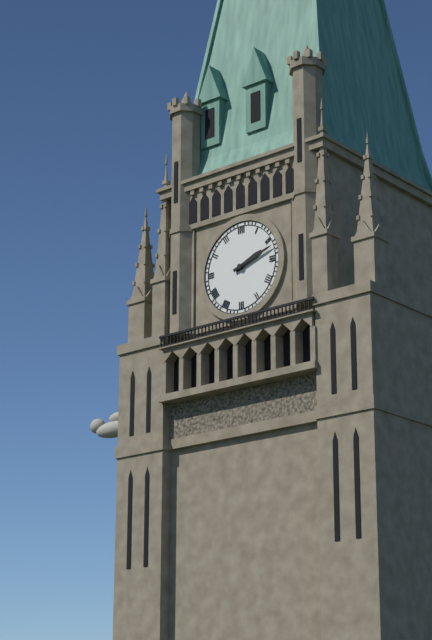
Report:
2h12
